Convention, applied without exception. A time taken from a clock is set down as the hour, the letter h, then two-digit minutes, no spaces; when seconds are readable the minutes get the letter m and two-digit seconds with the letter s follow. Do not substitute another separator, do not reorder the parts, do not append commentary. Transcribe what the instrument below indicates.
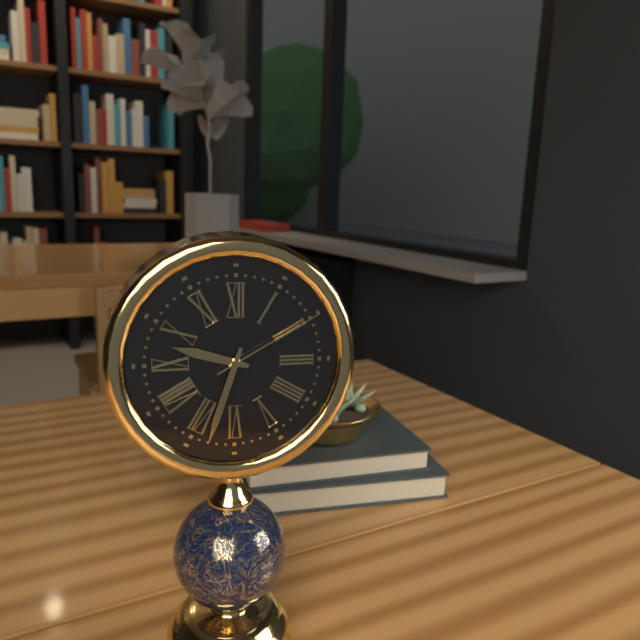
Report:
9h33m10s
